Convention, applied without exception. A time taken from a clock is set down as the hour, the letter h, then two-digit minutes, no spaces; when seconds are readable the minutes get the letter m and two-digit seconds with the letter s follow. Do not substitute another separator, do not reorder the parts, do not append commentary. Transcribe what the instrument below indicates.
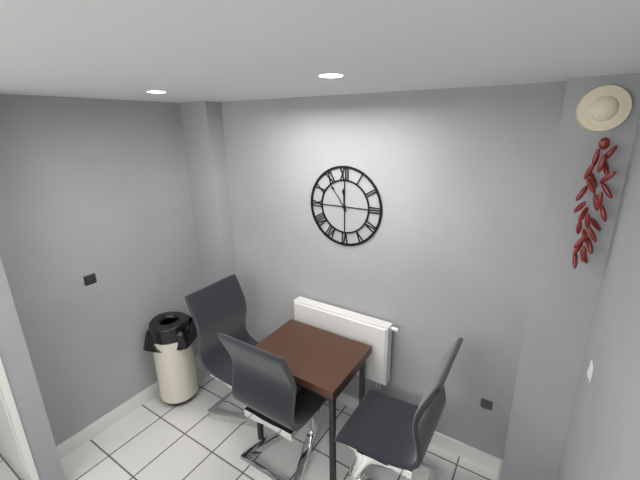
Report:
11h54
